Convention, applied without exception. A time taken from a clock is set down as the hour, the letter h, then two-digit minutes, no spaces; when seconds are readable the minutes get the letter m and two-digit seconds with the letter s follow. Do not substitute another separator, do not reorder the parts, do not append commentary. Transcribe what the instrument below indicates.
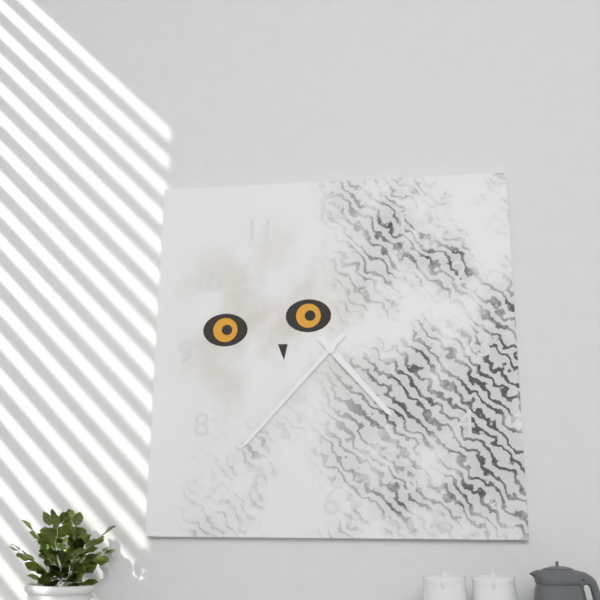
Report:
4h37
